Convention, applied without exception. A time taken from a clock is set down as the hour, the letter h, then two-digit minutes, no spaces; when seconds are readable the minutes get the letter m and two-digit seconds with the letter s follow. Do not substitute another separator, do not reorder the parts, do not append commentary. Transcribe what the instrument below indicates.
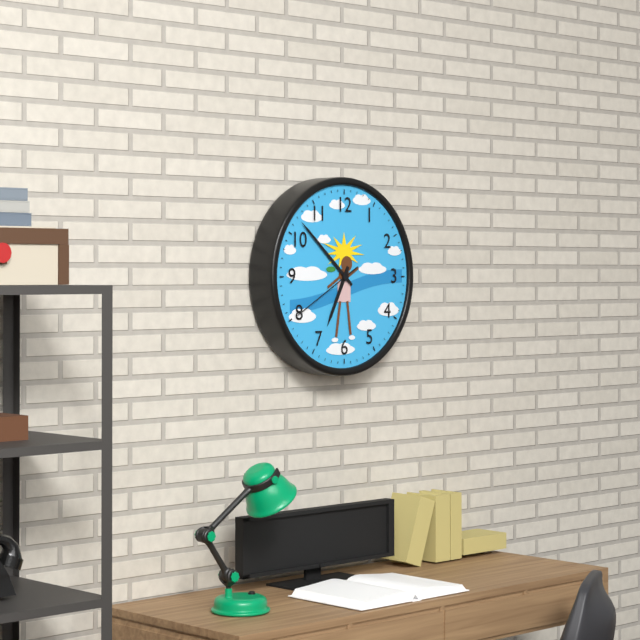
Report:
6h52m40s
